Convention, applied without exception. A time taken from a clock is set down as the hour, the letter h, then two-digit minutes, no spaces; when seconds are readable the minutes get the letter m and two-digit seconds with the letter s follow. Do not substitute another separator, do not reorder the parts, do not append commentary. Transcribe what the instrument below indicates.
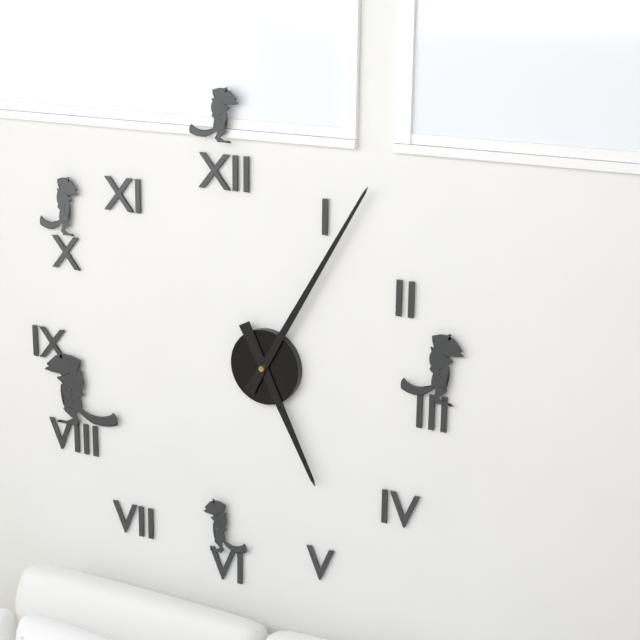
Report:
5h05
